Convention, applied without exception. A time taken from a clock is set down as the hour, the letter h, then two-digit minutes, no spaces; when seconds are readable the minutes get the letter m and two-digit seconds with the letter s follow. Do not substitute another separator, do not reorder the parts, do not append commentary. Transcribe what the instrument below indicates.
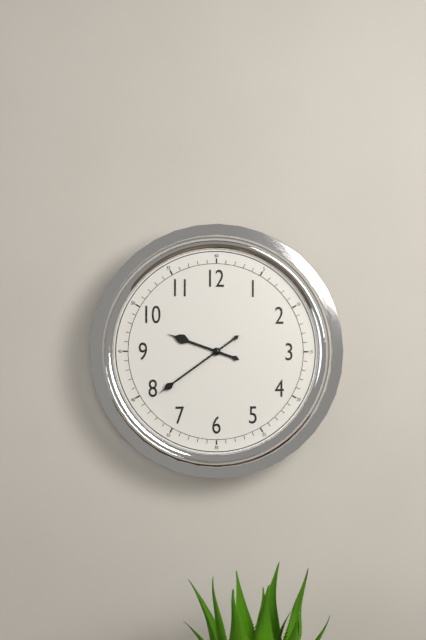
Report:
9h39
